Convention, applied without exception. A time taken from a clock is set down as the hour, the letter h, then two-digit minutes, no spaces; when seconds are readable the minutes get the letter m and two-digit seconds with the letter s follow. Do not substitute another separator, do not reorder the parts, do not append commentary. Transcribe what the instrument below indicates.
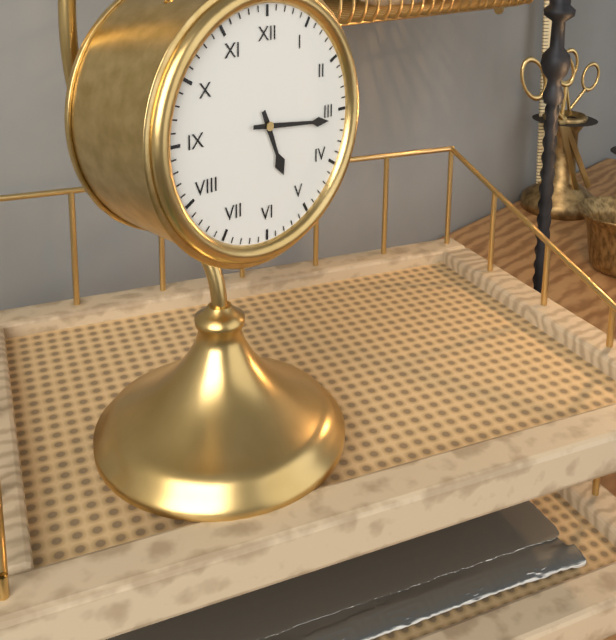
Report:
5h16
